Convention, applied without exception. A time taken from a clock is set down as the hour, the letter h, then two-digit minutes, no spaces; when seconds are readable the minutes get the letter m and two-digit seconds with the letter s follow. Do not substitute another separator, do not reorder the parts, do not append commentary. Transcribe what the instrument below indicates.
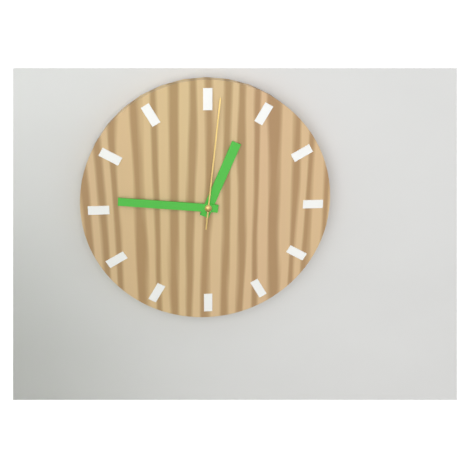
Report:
12h46m01s
